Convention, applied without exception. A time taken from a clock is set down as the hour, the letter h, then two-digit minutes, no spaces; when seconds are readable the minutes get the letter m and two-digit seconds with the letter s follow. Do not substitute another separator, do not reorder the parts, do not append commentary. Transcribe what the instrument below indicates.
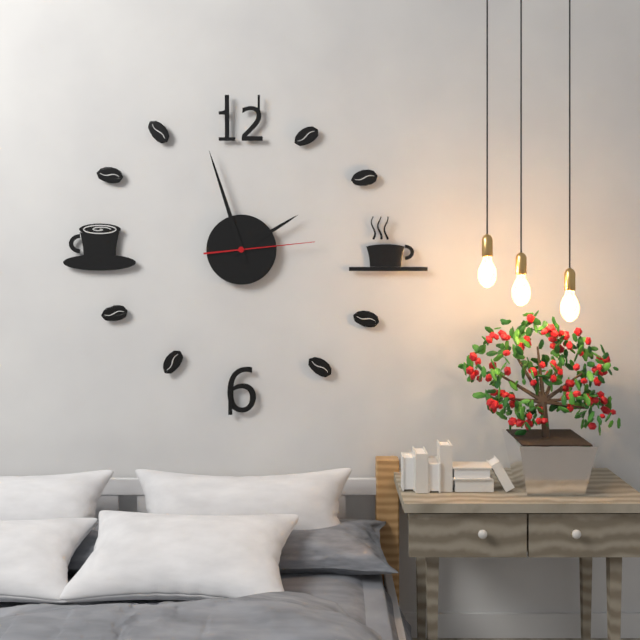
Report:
1h57m14s
